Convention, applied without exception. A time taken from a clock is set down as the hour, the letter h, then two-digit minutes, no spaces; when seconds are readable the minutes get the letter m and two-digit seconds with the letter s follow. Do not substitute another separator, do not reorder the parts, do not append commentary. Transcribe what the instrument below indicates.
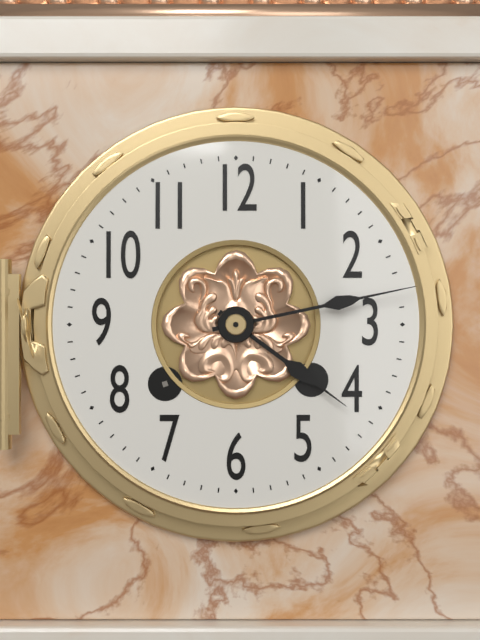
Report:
4h13
